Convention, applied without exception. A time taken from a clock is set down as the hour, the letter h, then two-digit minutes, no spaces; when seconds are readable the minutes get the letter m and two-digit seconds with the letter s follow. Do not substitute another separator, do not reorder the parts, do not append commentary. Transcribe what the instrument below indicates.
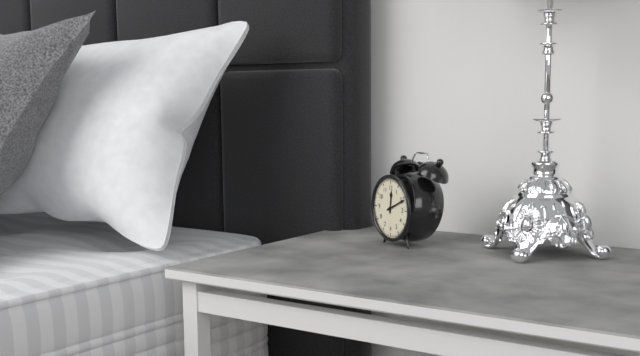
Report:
12h11
